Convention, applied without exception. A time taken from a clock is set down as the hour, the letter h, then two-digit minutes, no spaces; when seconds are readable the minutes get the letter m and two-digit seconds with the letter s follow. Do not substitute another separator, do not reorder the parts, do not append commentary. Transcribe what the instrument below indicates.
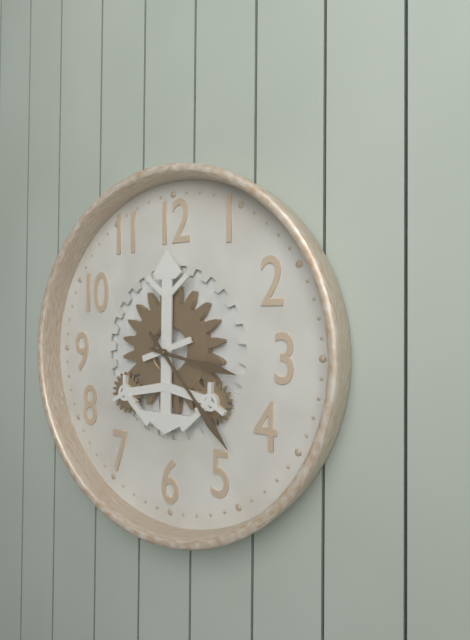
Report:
3h23
